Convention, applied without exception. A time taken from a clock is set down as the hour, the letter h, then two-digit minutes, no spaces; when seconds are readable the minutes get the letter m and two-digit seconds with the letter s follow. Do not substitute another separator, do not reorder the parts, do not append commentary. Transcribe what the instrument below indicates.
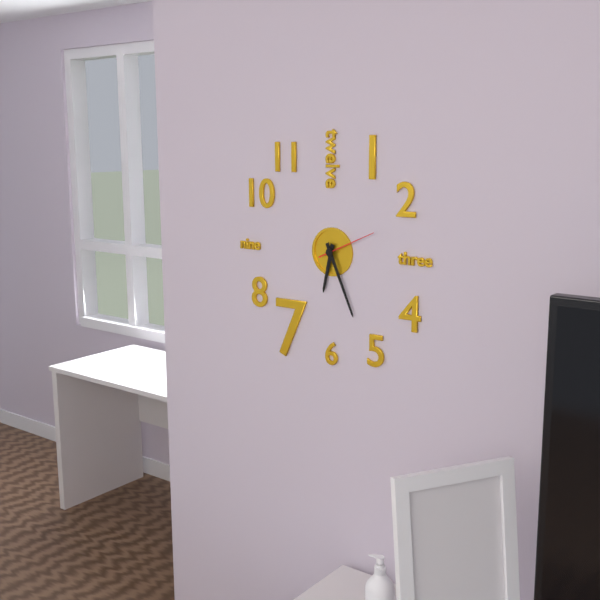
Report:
6h26m11s
